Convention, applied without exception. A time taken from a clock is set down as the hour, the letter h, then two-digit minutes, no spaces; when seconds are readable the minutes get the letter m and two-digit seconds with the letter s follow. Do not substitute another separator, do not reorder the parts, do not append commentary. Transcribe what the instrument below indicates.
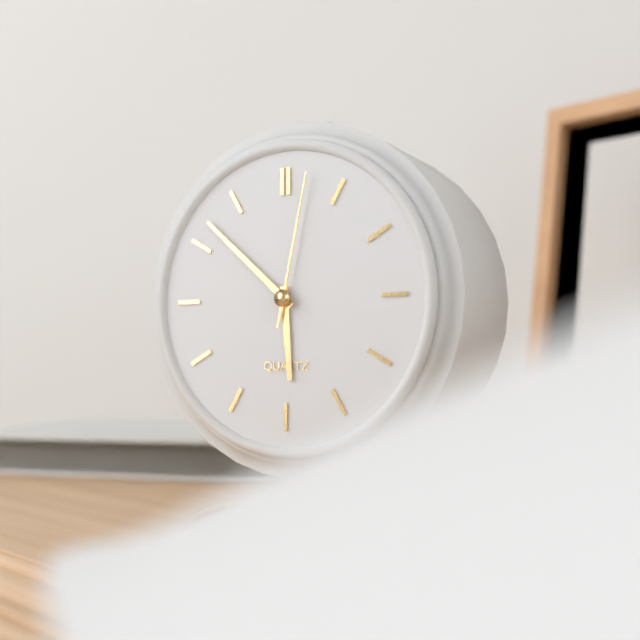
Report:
5h52m02s
